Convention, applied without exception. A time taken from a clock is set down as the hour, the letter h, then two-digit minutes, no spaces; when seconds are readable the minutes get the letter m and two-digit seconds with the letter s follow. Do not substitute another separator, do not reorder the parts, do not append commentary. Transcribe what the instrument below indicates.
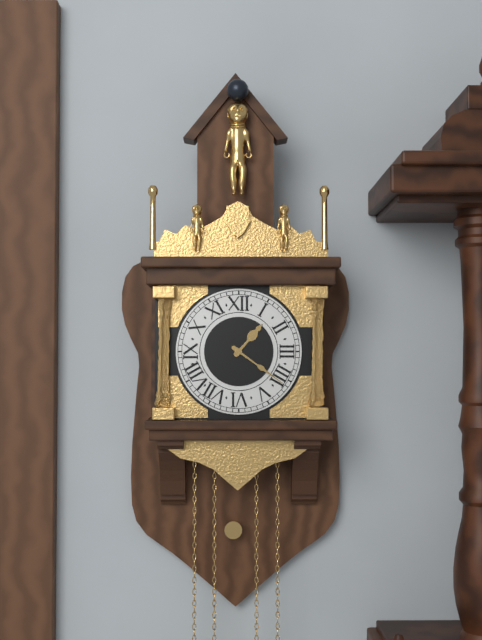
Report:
1h21
